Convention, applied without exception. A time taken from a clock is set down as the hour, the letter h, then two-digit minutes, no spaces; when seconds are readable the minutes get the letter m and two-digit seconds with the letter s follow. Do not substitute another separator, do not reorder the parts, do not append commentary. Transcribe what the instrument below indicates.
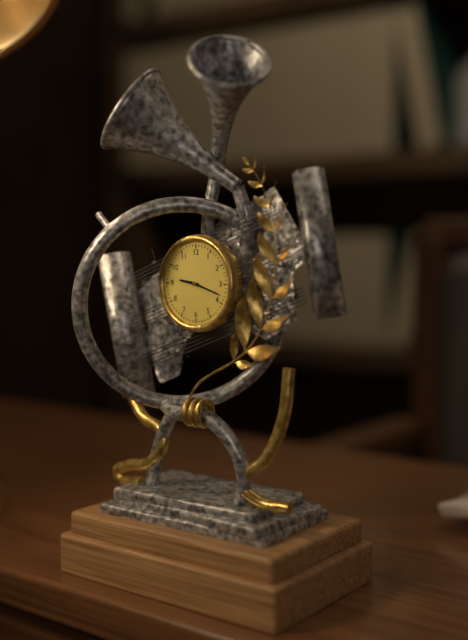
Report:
9h18
